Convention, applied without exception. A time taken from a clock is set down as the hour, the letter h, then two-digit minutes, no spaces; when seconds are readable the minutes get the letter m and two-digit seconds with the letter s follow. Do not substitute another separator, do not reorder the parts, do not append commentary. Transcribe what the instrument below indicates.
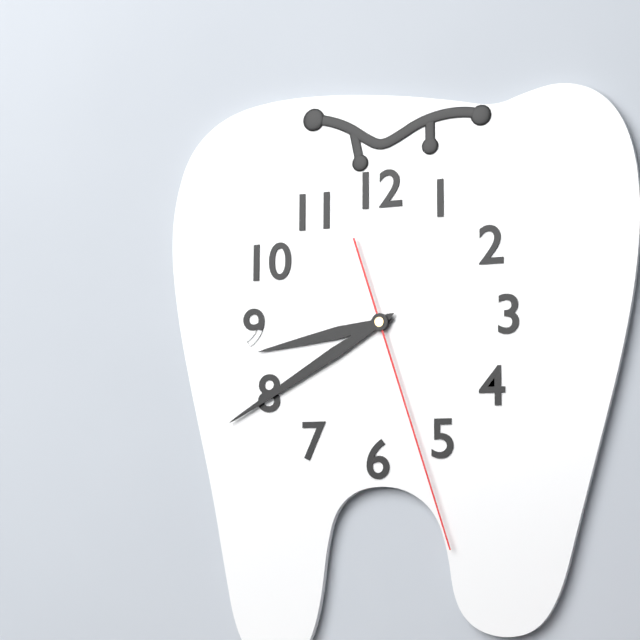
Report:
8h40m27s
